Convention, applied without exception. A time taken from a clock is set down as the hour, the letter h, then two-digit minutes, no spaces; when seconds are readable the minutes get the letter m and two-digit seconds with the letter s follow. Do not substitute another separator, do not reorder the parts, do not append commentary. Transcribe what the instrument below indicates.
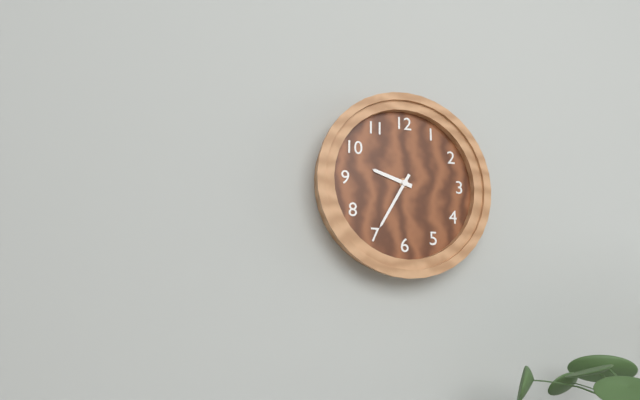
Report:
9h35
